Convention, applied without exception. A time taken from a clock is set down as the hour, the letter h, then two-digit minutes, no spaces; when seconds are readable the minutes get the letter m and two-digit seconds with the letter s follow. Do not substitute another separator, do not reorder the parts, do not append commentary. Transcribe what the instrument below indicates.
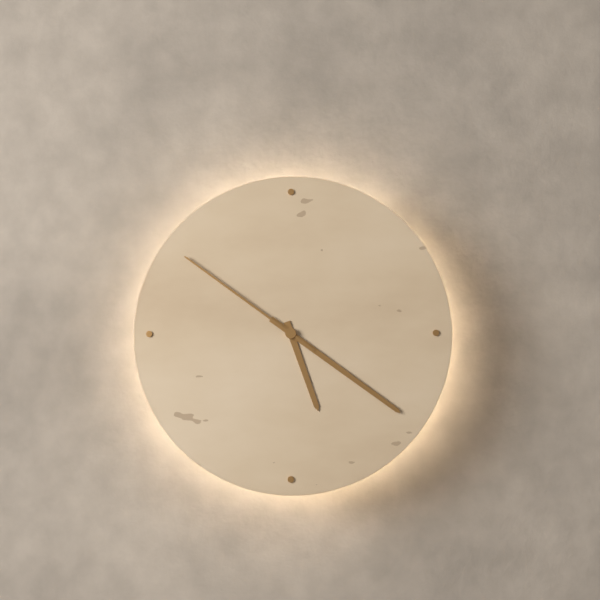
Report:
5h21m51s
